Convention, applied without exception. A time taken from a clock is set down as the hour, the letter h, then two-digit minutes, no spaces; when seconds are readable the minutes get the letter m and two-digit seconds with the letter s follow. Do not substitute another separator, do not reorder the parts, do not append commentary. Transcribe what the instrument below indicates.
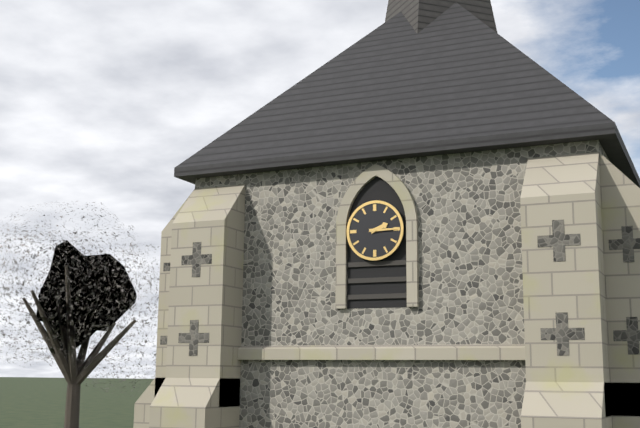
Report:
2h15
